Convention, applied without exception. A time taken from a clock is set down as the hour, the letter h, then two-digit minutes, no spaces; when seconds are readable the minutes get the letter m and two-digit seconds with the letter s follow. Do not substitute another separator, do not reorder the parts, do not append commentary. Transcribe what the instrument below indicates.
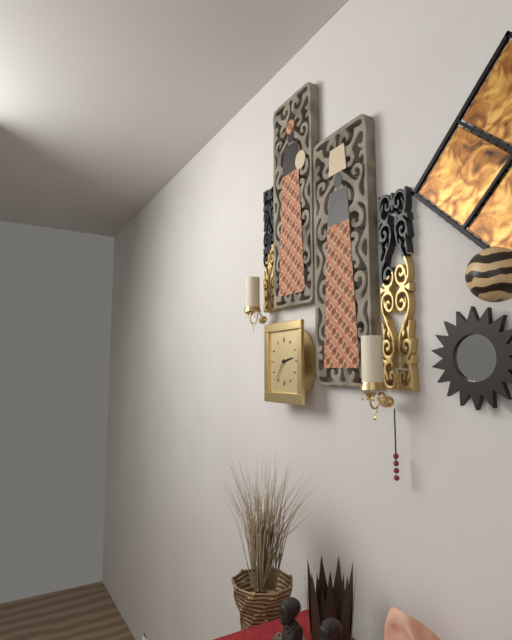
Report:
2h36
